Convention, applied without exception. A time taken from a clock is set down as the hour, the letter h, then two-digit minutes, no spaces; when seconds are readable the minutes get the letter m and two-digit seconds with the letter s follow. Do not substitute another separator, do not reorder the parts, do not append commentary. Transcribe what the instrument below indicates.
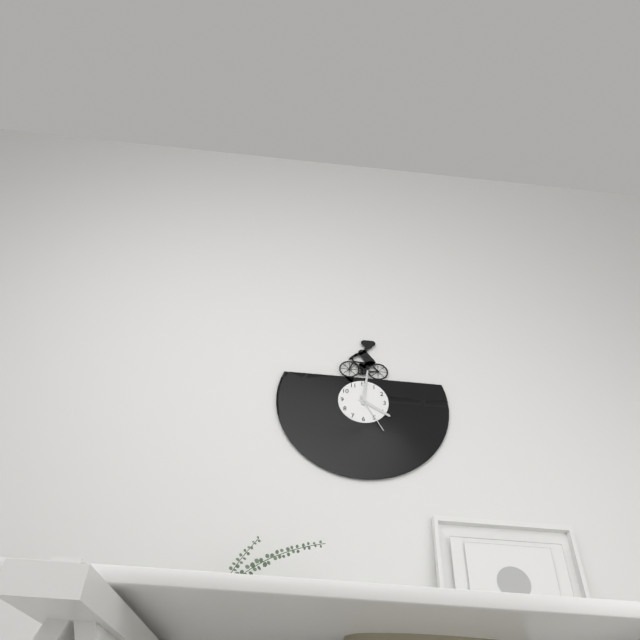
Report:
4h01
